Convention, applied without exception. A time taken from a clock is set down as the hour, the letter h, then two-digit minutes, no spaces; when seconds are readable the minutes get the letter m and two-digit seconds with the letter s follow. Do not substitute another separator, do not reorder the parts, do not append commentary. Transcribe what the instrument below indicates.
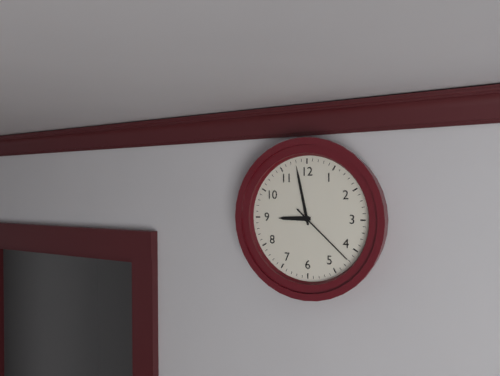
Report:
8h58m22s
